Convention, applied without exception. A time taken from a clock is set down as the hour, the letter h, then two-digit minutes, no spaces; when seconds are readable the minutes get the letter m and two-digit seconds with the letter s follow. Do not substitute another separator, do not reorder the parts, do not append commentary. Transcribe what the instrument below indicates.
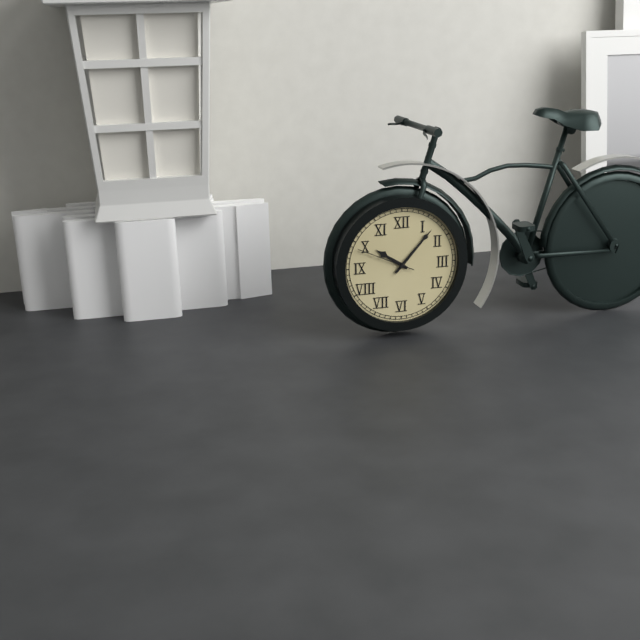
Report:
10h07m49s
